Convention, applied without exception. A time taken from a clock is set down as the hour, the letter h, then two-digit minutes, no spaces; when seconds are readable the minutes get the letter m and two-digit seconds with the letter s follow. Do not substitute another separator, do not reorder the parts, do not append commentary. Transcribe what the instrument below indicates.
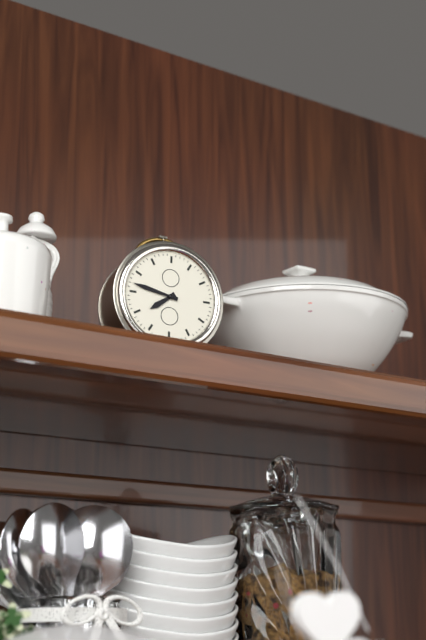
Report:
7h47
